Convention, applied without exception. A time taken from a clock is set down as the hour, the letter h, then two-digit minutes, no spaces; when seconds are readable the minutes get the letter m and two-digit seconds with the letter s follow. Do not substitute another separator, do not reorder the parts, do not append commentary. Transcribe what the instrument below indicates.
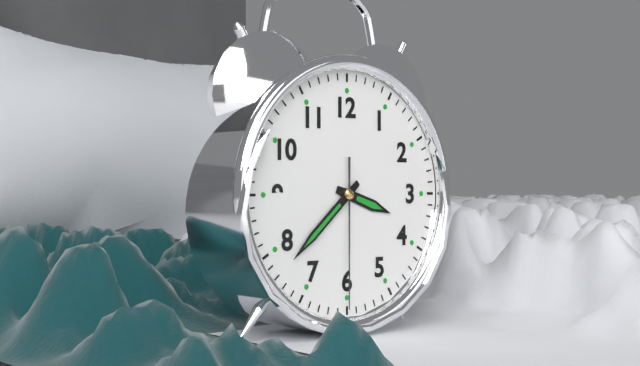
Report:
3h38m30s
